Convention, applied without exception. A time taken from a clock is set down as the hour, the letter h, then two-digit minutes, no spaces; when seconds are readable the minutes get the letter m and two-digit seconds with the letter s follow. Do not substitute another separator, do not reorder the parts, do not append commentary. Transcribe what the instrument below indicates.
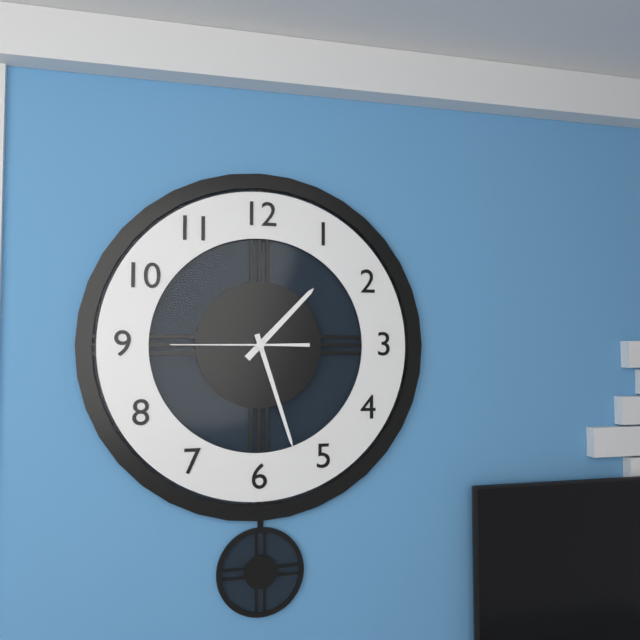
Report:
1h27m45s
